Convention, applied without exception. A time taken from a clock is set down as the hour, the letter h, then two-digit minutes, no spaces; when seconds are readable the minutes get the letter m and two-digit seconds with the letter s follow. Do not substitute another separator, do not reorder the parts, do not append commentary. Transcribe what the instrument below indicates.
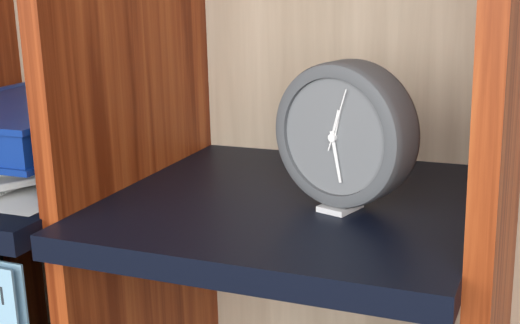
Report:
12h28m03s
